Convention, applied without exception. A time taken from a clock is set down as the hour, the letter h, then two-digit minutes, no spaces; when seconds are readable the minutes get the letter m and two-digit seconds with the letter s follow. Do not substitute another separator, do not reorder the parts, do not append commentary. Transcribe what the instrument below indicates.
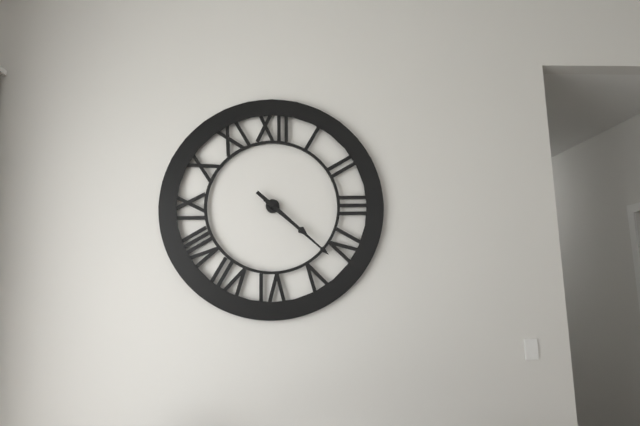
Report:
4h22
